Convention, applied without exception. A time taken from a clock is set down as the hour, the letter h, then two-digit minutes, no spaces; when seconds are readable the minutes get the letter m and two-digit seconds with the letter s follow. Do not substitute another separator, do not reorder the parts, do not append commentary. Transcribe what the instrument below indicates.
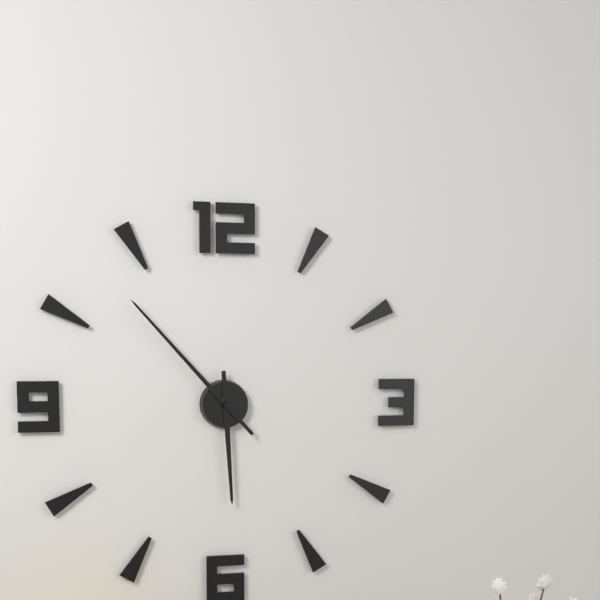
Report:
5h53
